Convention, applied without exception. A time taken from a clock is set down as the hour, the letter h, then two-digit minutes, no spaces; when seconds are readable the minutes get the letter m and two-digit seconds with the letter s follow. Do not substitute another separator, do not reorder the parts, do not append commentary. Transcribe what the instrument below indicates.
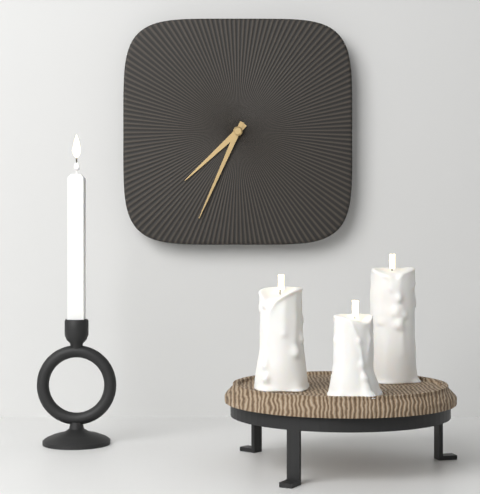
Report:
7h34
